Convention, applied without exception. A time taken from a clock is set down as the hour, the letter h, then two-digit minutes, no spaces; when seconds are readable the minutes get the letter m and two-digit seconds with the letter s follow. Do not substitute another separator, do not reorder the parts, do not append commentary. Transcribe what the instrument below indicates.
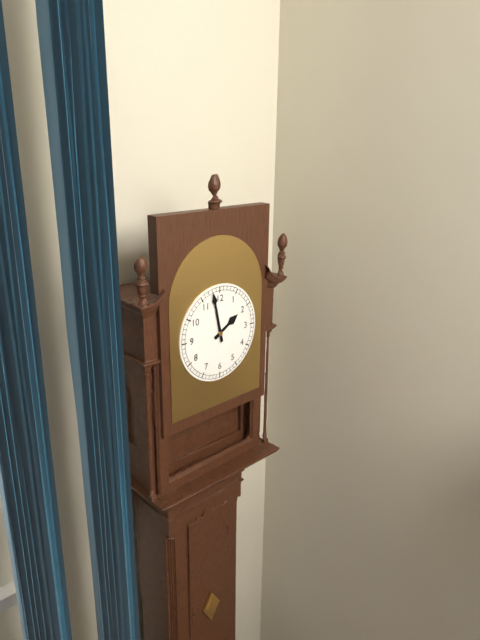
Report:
1h58
